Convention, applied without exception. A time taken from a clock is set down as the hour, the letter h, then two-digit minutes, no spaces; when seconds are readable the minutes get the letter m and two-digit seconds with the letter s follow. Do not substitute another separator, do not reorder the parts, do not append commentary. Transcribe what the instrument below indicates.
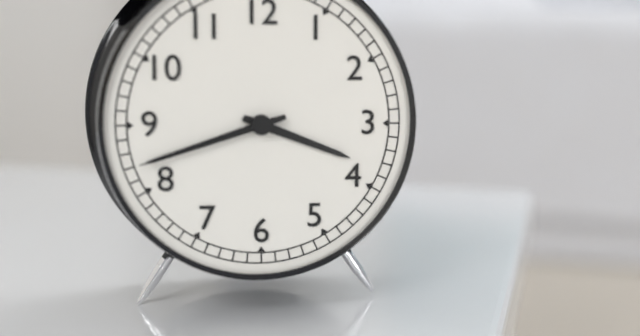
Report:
3h42
